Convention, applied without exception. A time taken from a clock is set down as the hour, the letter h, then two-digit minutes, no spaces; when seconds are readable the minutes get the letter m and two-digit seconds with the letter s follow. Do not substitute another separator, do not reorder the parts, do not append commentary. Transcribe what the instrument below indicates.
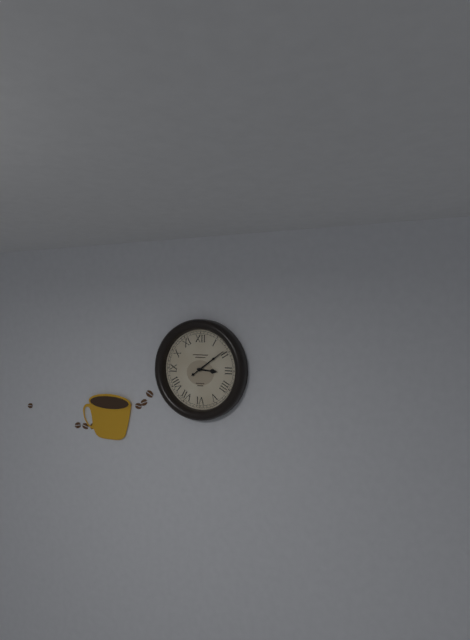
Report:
3h09
